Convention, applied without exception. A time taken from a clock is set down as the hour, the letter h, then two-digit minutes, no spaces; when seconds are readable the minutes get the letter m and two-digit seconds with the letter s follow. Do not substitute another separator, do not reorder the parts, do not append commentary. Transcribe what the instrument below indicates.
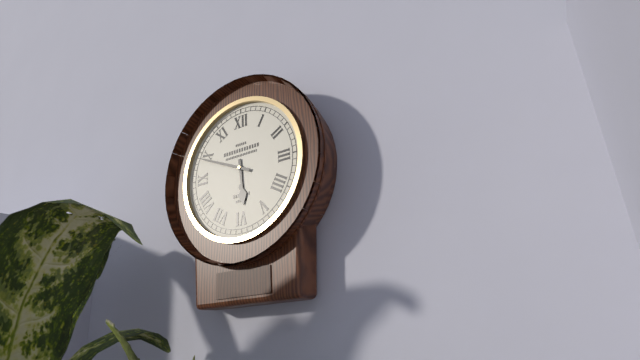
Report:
5h49
